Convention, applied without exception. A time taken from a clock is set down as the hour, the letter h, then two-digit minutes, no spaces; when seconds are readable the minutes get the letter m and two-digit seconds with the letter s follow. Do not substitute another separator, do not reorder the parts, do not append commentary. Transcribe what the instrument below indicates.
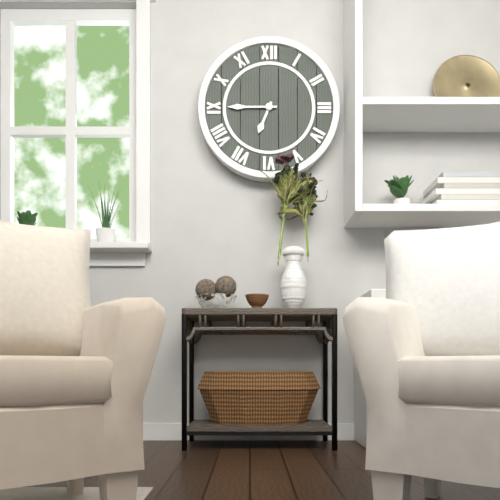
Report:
6h45
